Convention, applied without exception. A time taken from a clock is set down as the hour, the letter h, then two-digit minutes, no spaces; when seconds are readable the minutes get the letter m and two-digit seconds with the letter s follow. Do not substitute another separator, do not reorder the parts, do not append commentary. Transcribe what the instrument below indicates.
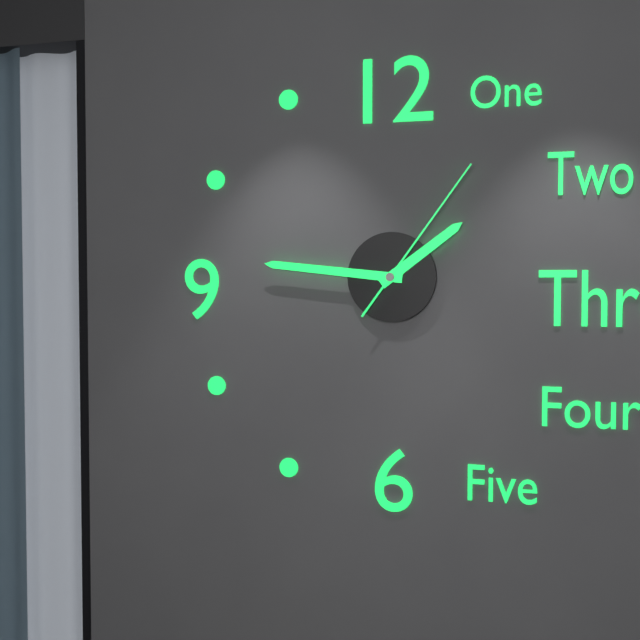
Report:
1h46m06s
